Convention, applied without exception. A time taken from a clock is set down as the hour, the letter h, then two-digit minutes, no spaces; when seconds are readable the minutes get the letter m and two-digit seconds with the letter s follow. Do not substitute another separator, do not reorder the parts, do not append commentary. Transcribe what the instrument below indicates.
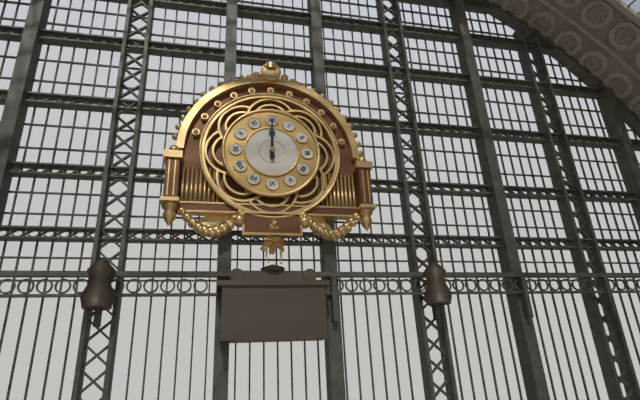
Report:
12h00
